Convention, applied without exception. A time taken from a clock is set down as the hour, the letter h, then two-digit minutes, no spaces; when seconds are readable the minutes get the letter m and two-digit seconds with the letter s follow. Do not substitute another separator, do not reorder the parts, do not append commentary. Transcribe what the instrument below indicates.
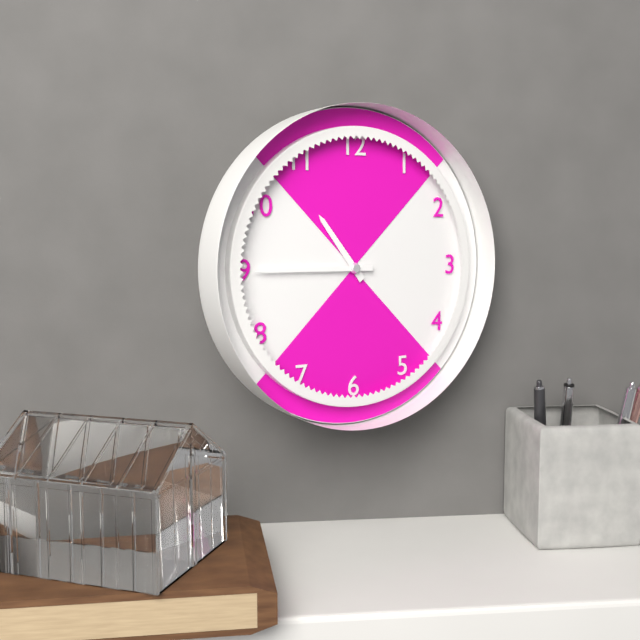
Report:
10h45
